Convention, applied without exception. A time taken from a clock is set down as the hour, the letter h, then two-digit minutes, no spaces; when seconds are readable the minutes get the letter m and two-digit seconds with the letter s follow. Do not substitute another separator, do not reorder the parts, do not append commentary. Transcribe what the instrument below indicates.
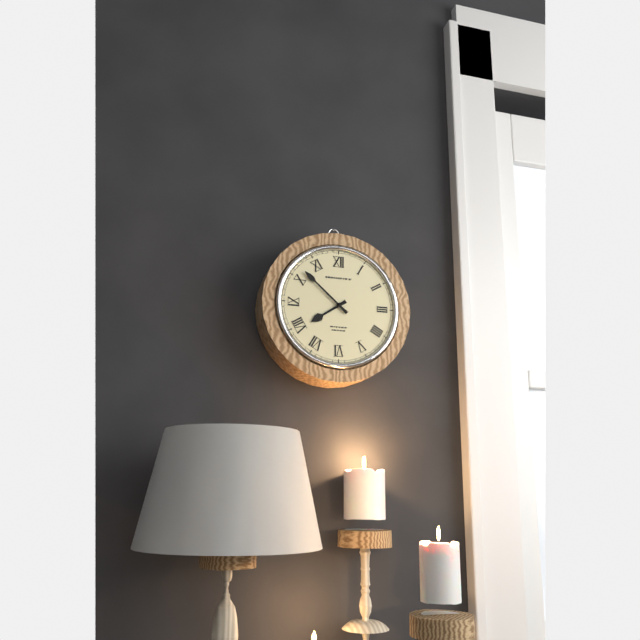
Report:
7h52
